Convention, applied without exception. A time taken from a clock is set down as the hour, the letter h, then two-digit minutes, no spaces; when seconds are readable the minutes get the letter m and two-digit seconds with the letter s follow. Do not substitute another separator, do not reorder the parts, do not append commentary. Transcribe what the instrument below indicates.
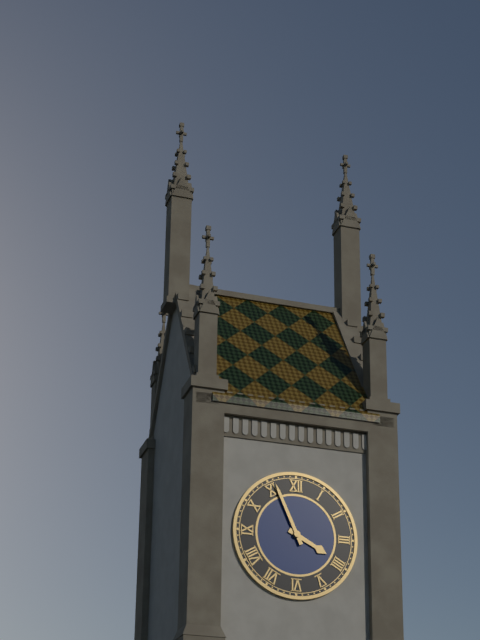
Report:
3h56
